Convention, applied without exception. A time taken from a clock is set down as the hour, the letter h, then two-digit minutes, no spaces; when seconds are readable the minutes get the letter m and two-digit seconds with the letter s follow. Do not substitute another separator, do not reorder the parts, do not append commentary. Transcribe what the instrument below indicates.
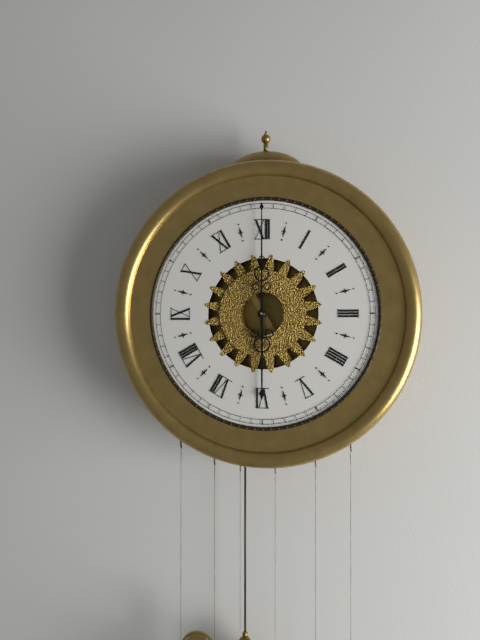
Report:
6h00
